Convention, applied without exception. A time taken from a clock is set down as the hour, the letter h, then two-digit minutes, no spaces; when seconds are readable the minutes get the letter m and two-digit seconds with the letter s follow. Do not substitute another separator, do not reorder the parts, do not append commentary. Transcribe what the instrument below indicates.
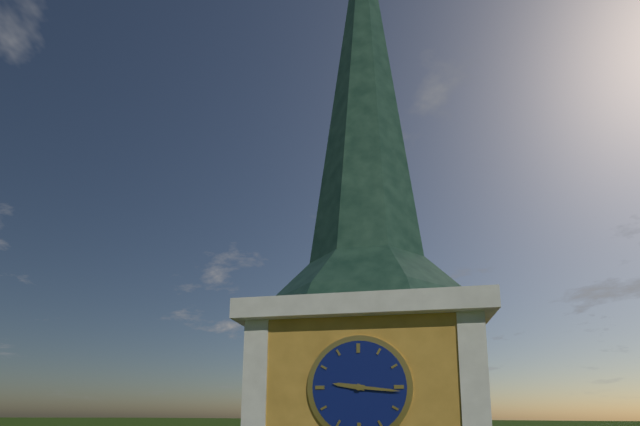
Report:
9h16
